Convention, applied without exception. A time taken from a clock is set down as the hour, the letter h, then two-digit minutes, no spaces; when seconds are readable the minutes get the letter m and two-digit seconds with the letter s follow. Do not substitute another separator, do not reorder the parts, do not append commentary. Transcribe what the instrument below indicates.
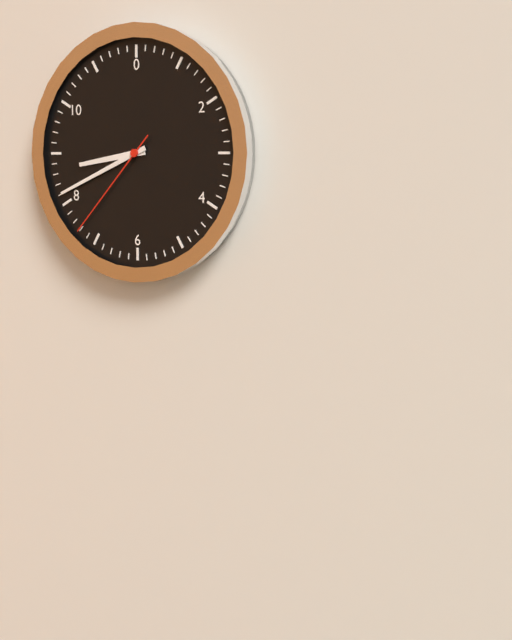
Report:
8h41m37s
